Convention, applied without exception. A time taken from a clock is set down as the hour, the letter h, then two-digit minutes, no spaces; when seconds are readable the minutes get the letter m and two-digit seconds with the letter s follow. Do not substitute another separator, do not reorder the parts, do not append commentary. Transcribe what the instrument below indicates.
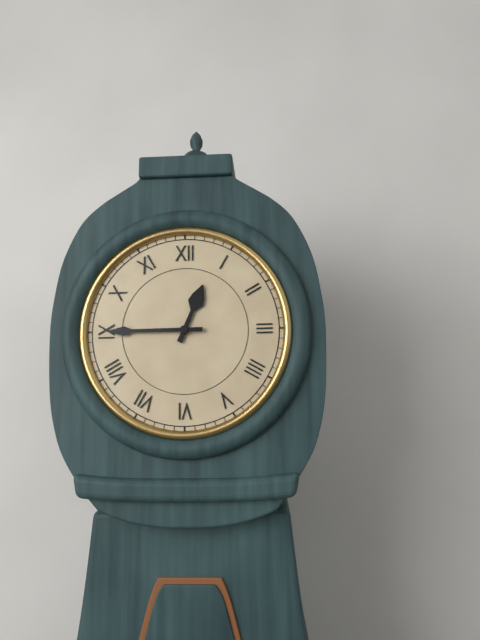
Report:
12h45
